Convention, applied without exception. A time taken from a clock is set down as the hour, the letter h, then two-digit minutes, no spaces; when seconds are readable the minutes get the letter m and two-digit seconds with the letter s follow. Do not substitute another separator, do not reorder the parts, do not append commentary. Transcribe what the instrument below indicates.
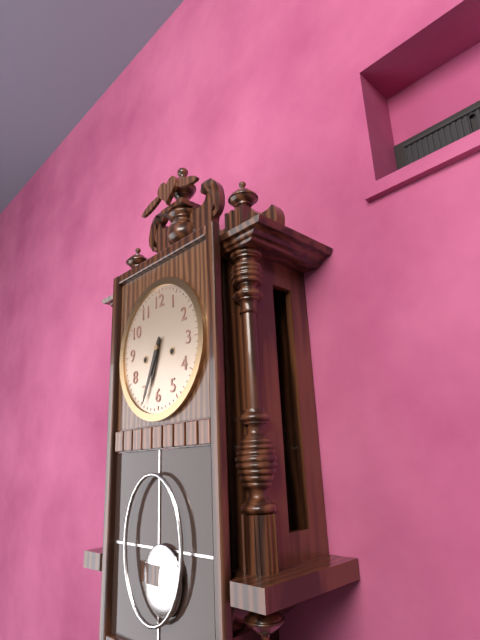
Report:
6h34
